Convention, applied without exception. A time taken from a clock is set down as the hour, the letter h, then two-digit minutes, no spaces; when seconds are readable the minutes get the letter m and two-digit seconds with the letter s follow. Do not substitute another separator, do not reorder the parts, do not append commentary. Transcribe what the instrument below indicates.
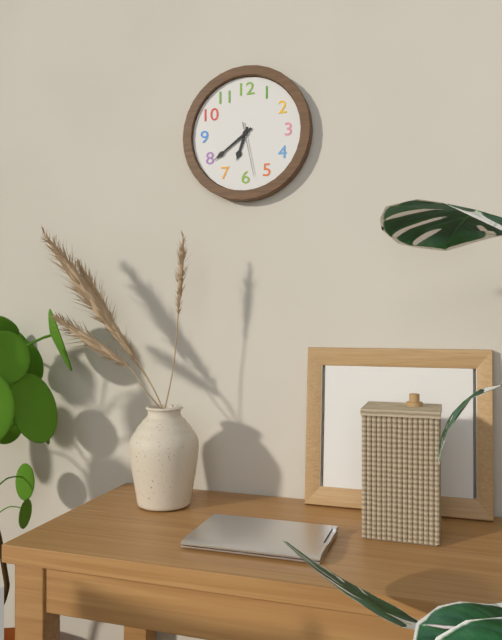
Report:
6h39m28s
